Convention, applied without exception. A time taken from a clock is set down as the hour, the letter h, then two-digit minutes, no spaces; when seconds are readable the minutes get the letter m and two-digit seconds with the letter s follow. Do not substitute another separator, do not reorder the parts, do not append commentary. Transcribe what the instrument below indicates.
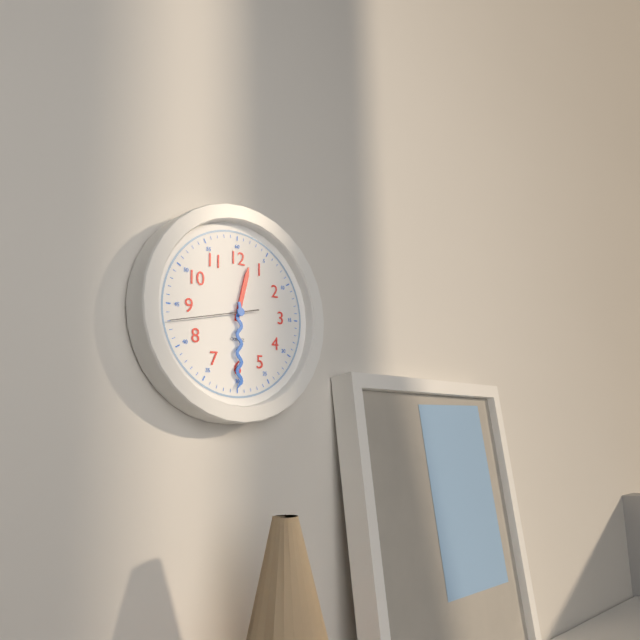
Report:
12h30m43s
